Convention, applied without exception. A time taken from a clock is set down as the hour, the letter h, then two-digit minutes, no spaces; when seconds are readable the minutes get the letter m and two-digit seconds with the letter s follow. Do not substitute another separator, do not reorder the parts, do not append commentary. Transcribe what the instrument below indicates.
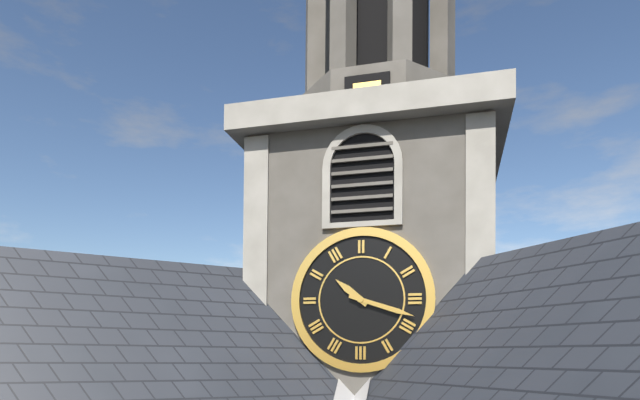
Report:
10h18
